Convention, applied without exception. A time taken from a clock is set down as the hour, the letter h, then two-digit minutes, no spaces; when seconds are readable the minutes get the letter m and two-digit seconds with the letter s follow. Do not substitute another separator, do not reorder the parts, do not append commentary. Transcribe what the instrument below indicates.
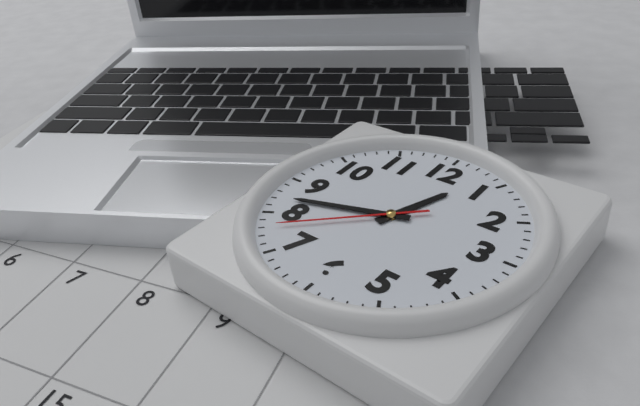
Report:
12h42m38s
